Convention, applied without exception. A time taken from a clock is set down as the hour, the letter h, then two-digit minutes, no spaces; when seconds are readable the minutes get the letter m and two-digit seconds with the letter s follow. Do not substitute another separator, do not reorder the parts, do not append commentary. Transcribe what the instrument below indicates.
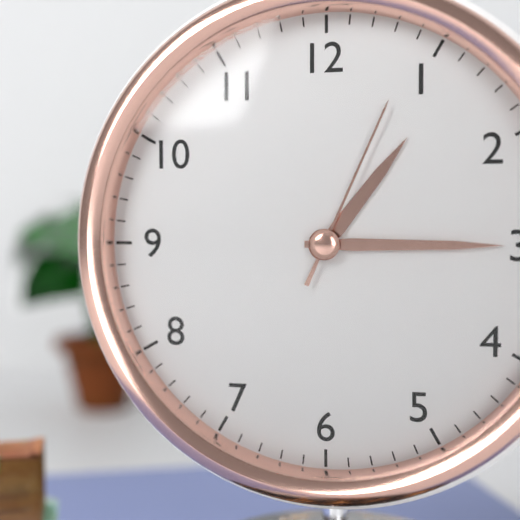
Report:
1h15m04s
